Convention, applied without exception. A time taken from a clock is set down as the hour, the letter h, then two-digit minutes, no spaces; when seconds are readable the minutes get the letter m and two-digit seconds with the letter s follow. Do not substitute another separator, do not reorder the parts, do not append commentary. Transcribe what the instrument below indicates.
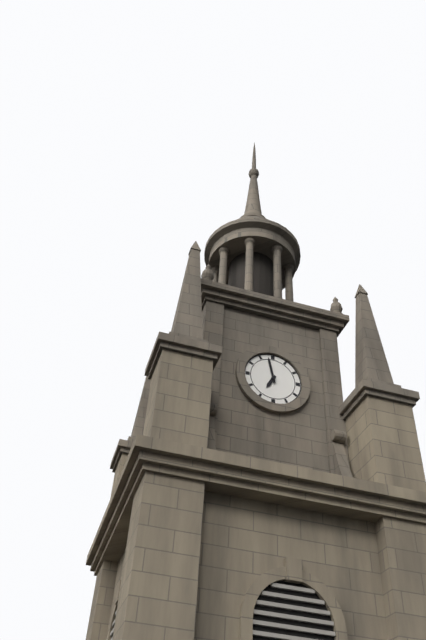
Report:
6h58
